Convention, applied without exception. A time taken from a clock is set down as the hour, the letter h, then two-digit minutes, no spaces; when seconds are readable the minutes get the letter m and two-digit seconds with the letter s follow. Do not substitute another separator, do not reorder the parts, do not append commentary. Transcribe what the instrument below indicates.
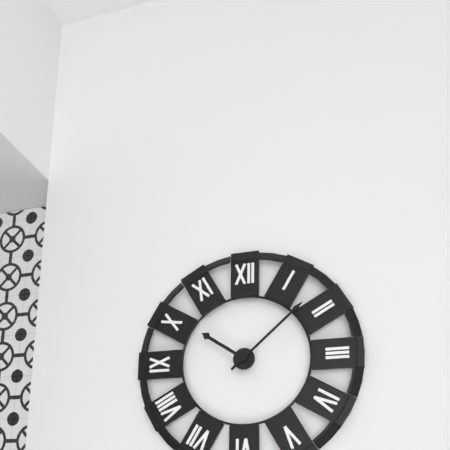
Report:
10h08
